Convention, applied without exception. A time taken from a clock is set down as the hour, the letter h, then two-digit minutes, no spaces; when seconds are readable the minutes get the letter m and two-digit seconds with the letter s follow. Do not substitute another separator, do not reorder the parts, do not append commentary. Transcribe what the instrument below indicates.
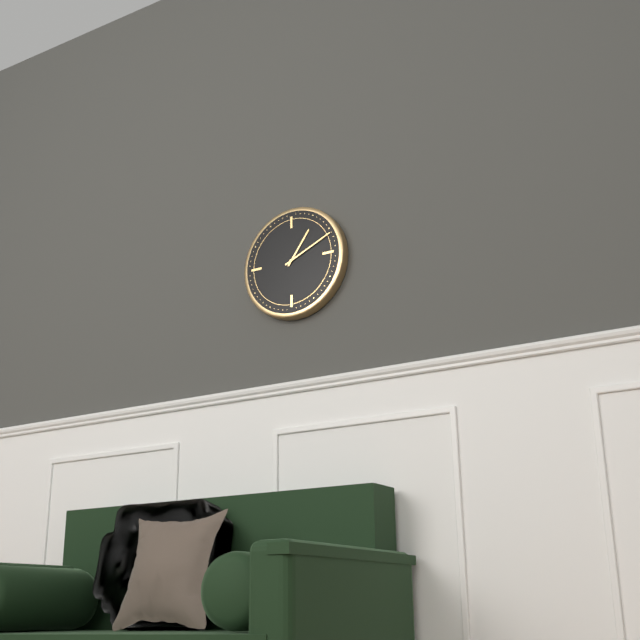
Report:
1h11
